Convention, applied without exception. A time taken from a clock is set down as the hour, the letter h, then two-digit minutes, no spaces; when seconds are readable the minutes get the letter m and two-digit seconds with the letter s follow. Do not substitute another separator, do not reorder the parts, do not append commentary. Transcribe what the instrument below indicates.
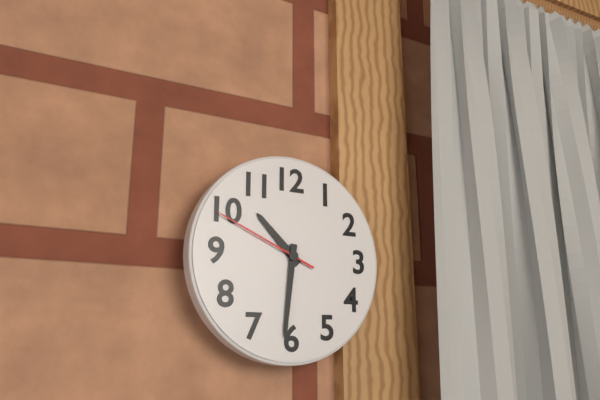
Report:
10h31m49s
